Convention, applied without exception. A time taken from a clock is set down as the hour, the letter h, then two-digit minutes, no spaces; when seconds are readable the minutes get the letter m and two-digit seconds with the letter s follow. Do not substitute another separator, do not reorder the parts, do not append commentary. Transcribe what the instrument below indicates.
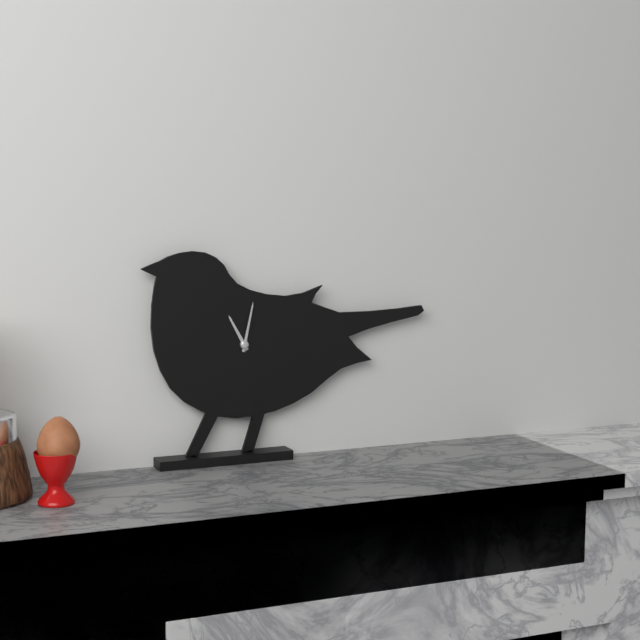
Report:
11h02
